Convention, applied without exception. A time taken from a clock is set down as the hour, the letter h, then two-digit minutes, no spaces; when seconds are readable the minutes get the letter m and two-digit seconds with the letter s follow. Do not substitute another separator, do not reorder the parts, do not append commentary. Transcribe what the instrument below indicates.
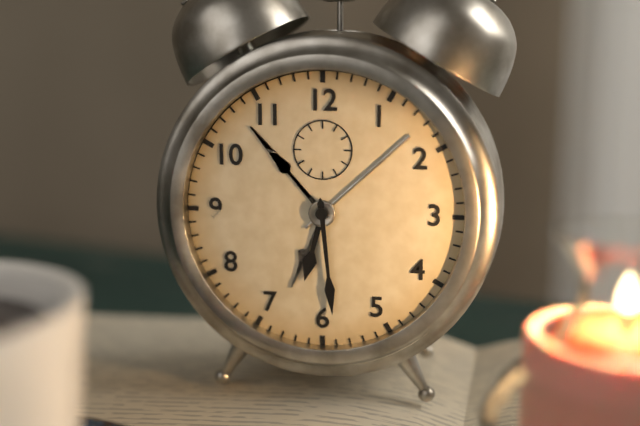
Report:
6h29
